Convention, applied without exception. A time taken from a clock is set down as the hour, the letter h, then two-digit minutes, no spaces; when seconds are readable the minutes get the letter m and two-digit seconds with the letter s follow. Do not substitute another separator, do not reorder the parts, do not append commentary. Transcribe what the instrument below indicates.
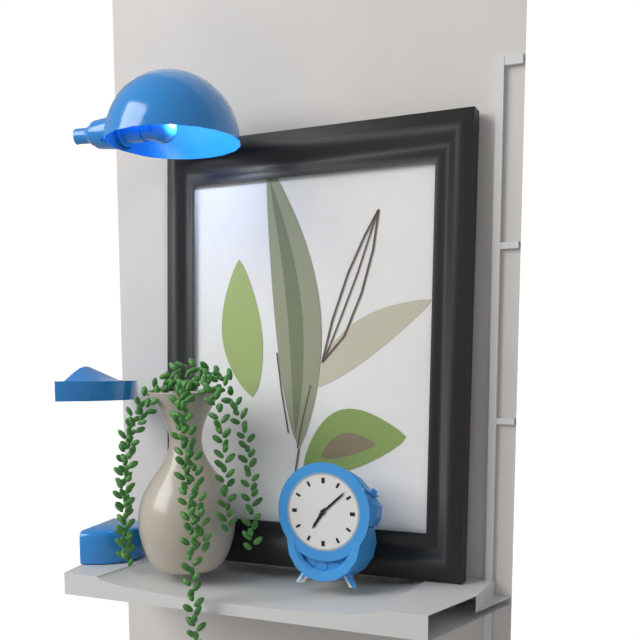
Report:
7h08
